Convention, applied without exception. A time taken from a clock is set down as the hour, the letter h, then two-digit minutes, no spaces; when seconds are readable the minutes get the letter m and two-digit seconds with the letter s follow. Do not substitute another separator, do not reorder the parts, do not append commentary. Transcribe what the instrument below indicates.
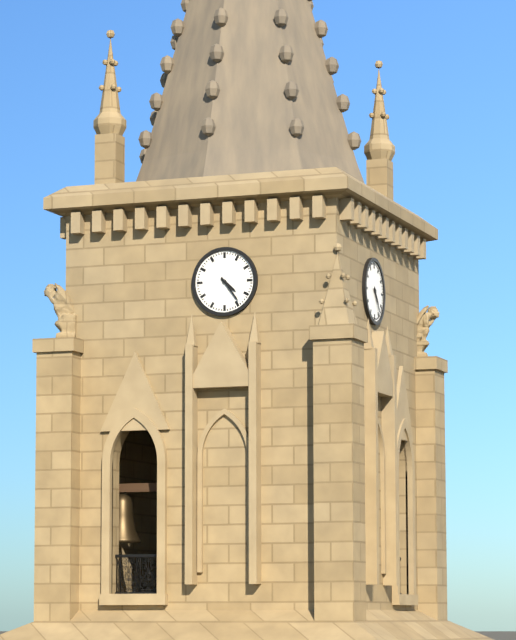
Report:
4h24
